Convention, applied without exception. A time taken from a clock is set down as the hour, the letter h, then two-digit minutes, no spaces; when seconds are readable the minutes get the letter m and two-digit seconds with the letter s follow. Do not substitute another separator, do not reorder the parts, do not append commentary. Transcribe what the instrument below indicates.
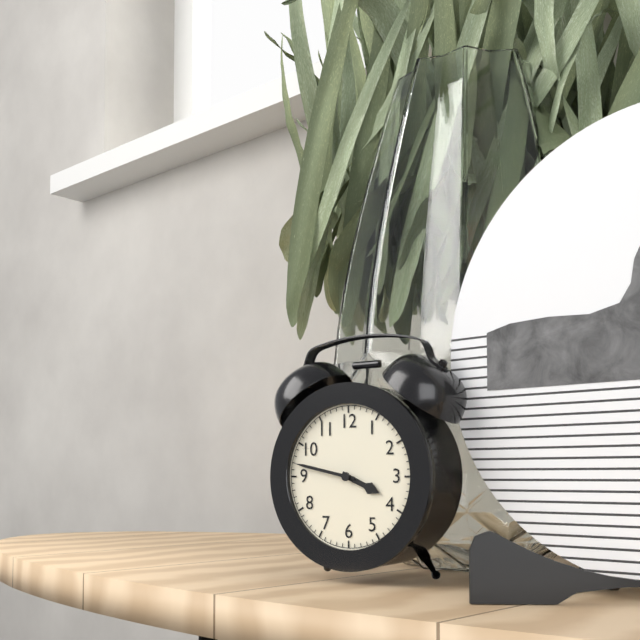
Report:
3h47
